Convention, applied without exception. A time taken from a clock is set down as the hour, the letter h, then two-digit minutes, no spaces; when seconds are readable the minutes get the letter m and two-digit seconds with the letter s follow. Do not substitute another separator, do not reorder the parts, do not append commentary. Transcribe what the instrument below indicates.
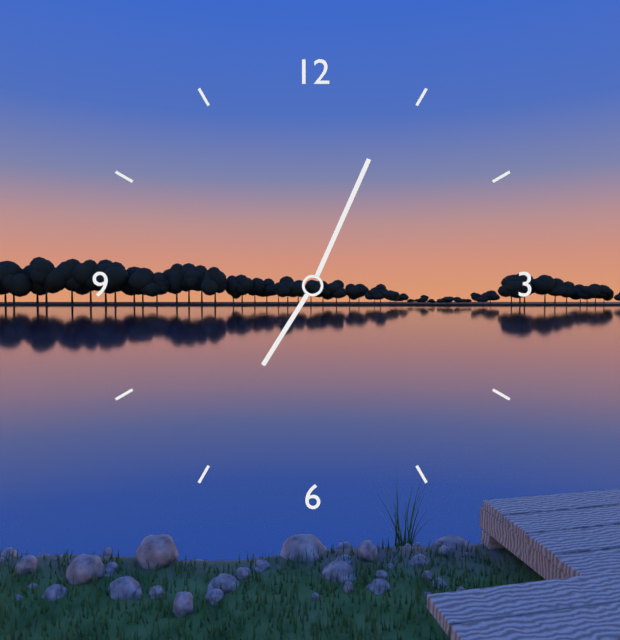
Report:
7h04
